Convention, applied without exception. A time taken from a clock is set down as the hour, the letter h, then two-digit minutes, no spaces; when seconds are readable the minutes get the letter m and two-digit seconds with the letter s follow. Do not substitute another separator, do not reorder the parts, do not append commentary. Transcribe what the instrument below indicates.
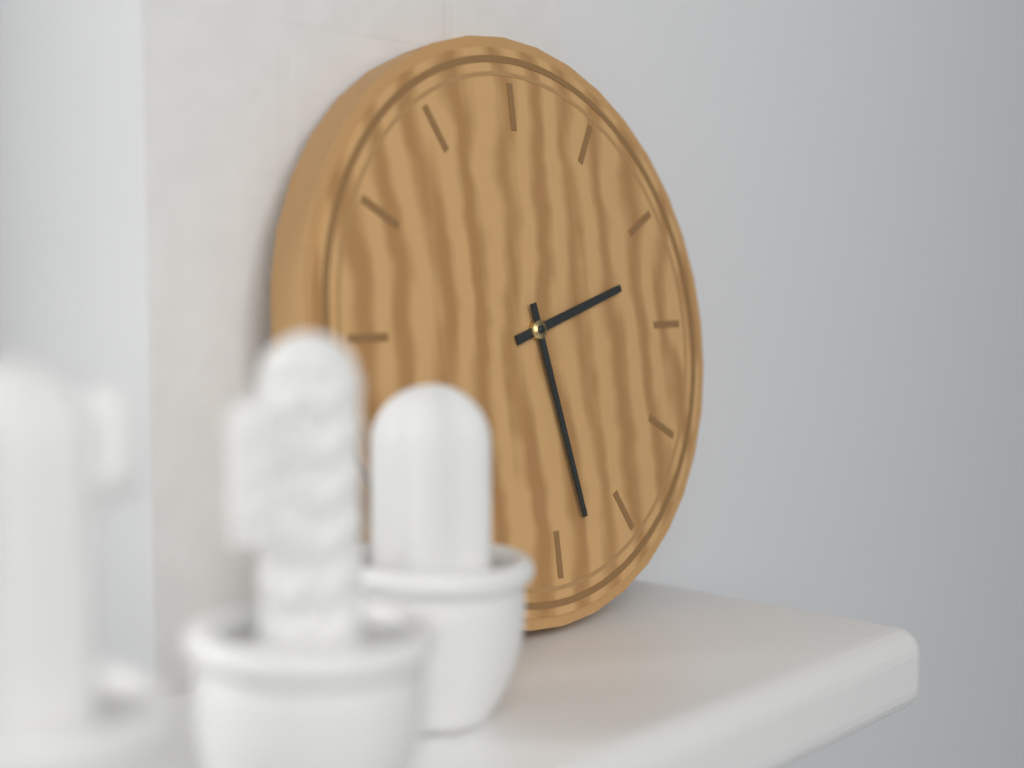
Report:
2h28
